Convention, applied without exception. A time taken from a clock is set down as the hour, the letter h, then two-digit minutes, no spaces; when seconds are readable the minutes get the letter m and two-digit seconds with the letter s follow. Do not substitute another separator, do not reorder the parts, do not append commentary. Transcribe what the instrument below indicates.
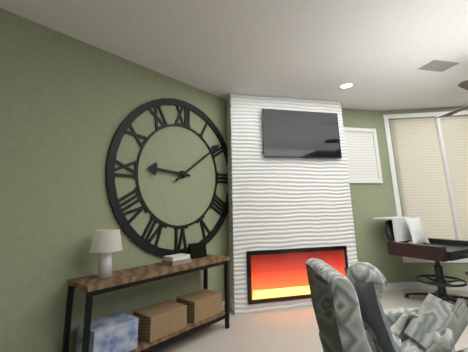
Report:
9h09
